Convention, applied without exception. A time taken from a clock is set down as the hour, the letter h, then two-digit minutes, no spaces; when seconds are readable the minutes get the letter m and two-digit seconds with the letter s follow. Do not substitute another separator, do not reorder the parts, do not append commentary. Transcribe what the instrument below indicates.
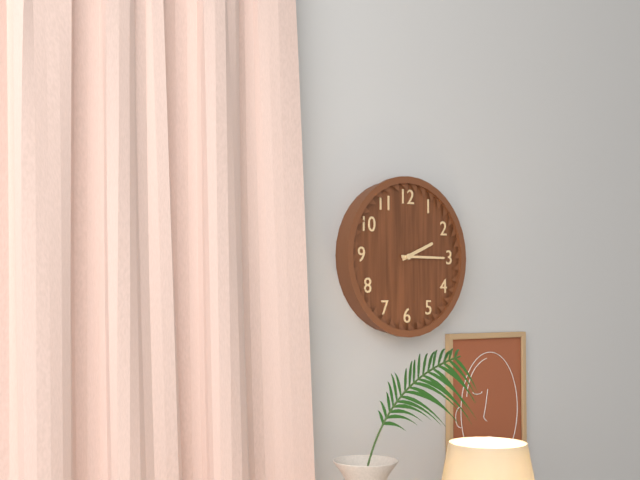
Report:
2h15
